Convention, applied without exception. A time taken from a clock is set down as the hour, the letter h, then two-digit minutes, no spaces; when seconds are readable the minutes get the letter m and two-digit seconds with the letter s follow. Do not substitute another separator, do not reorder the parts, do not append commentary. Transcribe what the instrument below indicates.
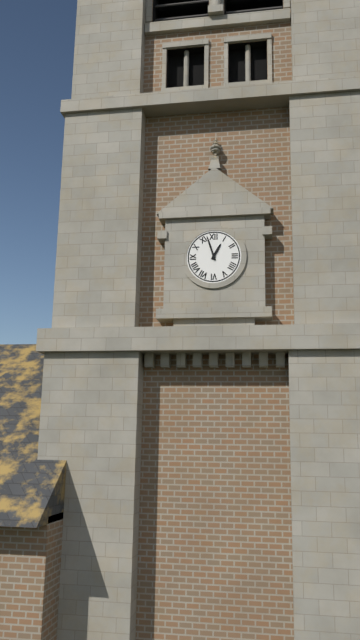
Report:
12h57
